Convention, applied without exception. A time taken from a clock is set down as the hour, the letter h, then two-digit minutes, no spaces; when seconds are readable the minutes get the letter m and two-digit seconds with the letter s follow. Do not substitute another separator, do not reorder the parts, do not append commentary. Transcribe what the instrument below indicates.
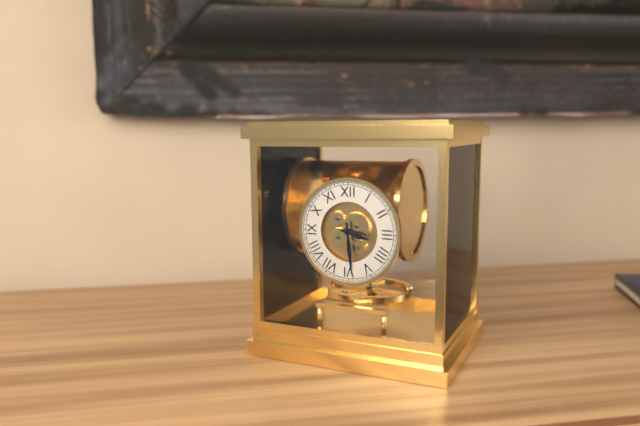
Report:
3h29
